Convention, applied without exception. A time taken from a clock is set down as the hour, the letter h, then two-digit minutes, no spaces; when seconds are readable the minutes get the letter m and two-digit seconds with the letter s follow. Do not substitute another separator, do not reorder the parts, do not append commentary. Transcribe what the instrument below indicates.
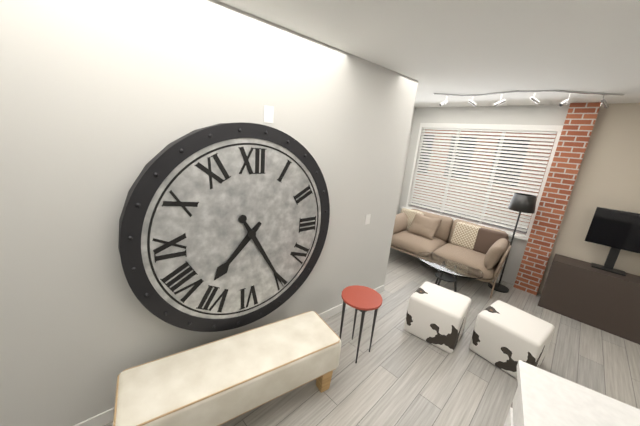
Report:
7h25
